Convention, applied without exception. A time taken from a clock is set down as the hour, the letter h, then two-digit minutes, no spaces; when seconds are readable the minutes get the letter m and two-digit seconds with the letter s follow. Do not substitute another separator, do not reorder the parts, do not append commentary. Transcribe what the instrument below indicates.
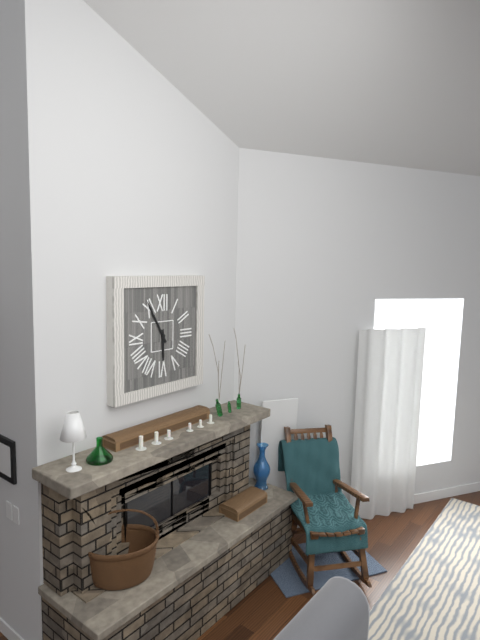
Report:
5h55
